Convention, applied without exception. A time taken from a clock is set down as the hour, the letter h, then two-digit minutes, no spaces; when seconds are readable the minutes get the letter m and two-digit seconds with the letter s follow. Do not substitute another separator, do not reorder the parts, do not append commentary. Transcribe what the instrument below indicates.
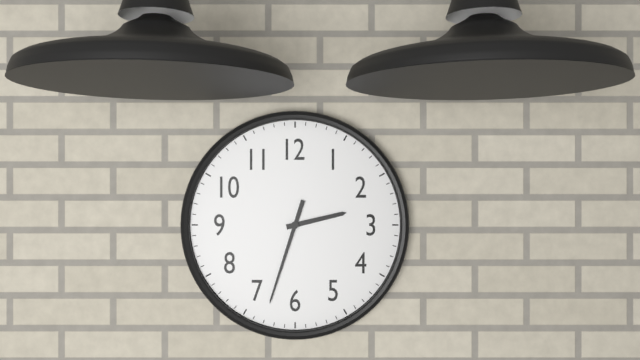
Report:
2h33
